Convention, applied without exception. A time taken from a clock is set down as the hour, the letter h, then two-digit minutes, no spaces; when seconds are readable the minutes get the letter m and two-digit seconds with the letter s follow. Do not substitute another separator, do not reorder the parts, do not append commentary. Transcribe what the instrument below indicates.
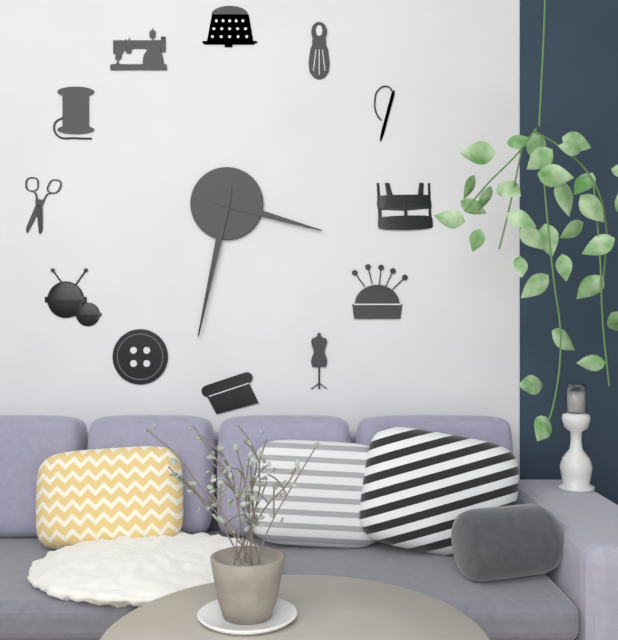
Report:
3h32
